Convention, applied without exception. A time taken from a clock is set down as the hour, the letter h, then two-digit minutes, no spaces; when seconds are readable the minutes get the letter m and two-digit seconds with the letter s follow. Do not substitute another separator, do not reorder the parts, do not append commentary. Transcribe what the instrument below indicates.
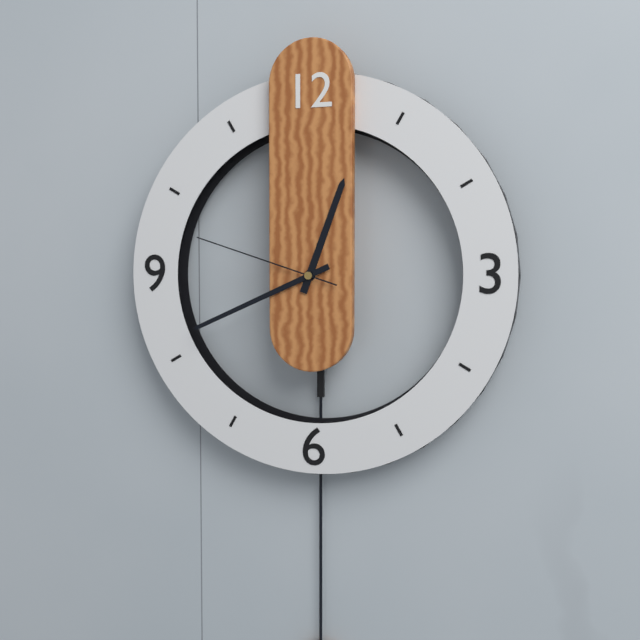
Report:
12h41m48s
